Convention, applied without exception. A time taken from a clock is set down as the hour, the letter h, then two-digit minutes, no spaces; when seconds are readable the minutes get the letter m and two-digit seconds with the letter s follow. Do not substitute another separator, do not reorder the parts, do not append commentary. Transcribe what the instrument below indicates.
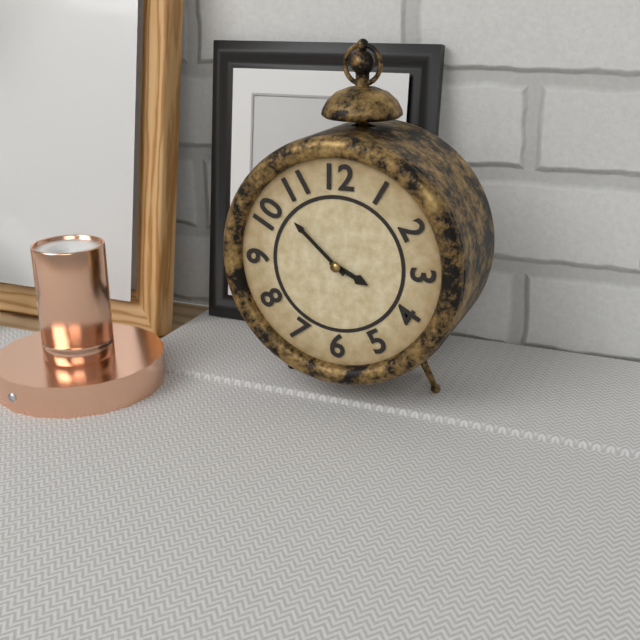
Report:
3h52
